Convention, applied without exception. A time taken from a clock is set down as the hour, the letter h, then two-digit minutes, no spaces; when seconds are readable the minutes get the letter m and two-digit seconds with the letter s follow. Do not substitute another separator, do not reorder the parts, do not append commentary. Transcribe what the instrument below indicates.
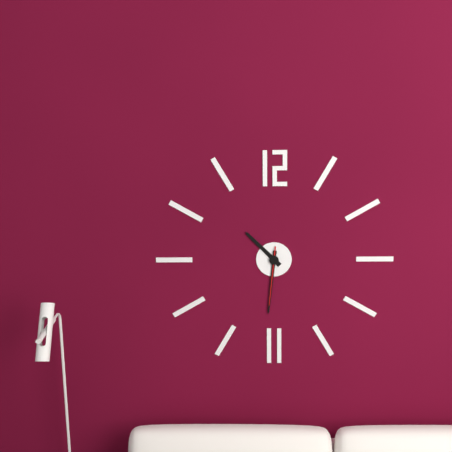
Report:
10h31m31s
